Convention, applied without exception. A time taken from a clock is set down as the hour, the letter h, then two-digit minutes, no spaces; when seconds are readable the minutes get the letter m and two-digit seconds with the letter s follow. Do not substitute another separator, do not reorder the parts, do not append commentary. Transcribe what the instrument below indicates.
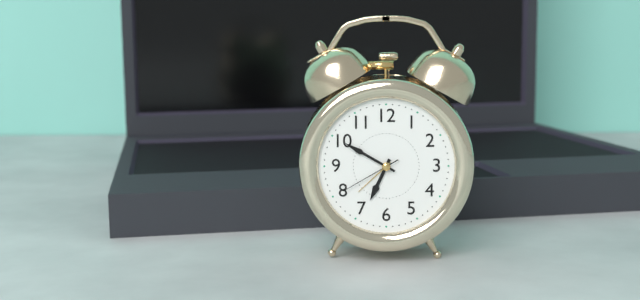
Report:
6h50m40s
